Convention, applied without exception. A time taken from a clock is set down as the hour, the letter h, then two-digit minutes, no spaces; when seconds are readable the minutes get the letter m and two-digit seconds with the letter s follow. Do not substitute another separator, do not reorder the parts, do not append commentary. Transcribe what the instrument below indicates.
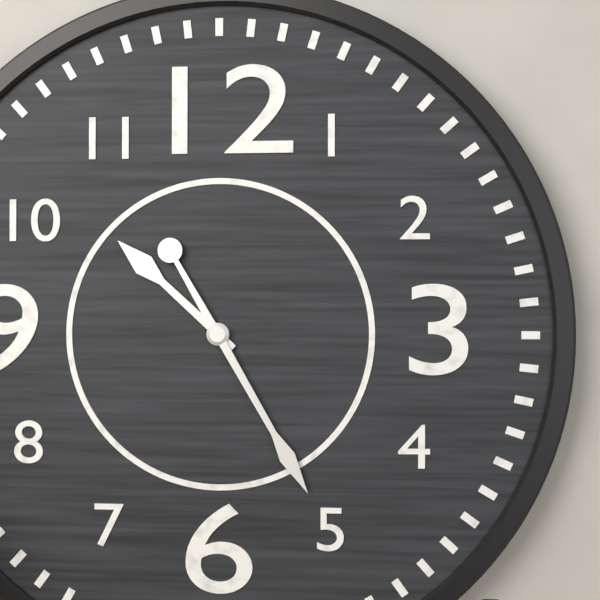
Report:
10h25
